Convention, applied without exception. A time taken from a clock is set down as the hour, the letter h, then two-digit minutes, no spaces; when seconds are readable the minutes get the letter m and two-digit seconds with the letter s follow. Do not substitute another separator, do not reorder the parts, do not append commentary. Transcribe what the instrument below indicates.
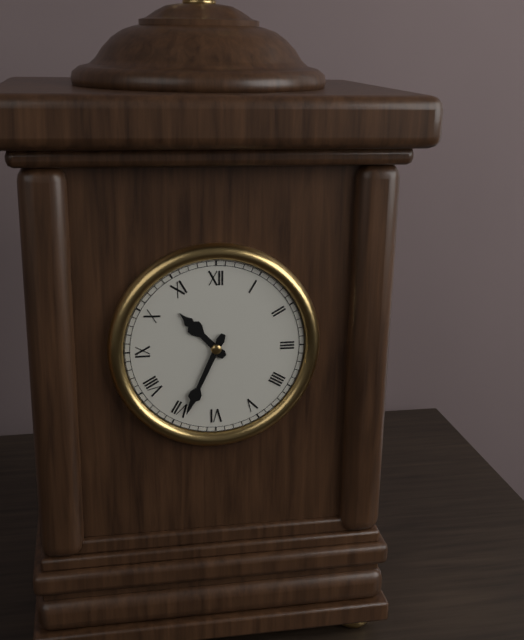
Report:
10h34
